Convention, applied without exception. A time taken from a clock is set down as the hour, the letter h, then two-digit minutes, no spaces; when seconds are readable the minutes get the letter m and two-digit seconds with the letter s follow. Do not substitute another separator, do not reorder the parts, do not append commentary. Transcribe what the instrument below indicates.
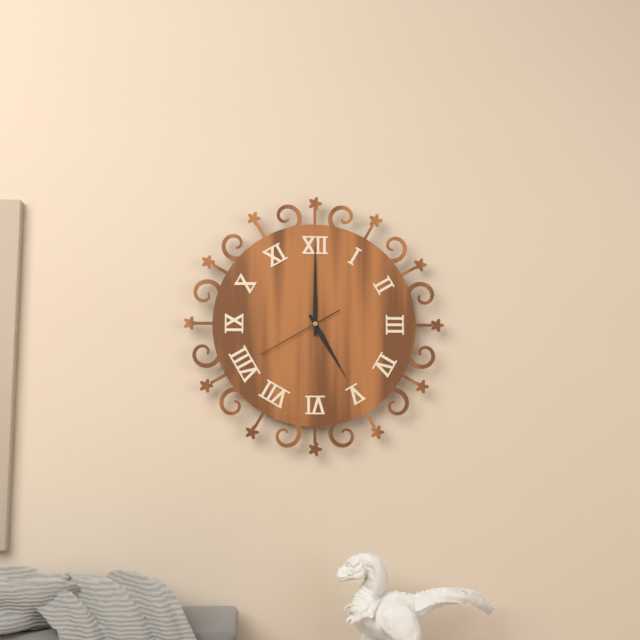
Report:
5h00m40s
